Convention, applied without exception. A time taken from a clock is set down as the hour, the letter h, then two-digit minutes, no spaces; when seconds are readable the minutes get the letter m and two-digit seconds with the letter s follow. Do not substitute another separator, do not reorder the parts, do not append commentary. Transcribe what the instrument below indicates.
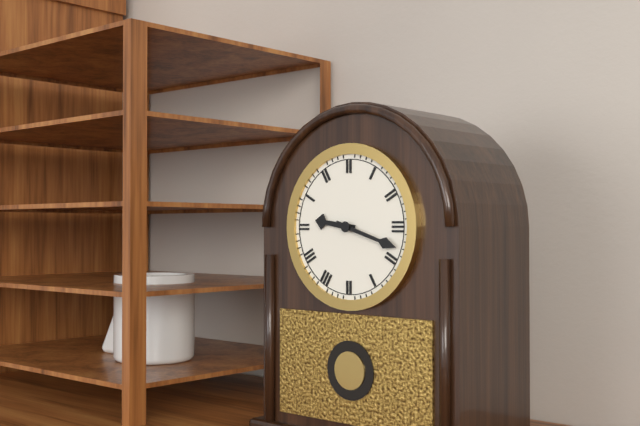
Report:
9h18
